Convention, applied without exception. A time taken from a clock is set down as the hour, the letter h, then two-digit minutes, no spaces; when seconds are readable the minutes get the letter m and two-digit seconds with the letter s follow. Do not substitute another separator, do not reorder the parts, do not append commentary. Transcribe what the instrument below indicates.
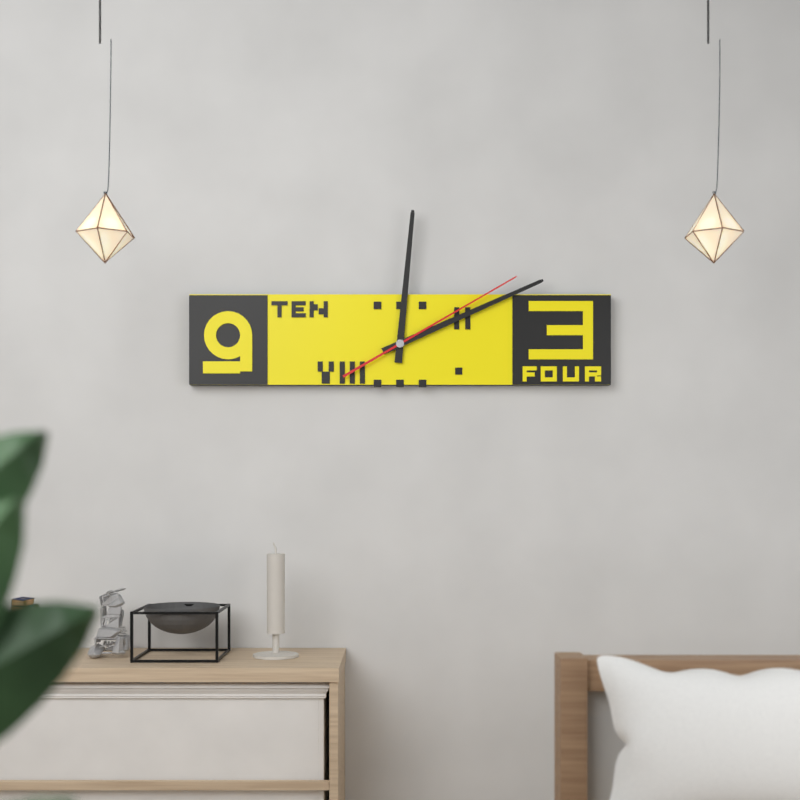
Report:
12h11m10s
